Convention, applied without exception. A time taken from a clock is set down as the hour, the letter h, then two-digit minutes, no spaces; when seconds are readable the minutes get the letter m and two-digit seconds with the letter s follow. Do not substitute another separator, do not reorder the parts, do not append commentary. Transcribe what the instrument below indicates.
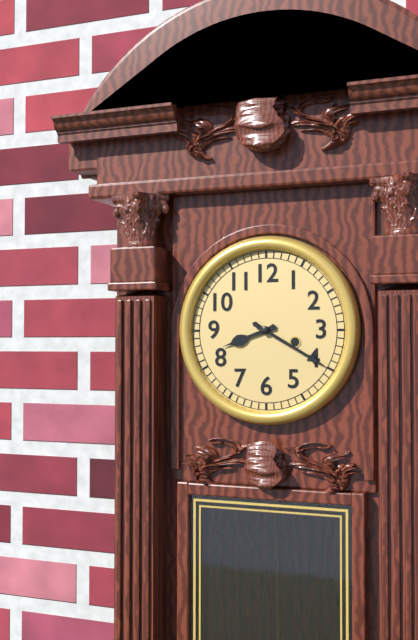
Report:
8h20
